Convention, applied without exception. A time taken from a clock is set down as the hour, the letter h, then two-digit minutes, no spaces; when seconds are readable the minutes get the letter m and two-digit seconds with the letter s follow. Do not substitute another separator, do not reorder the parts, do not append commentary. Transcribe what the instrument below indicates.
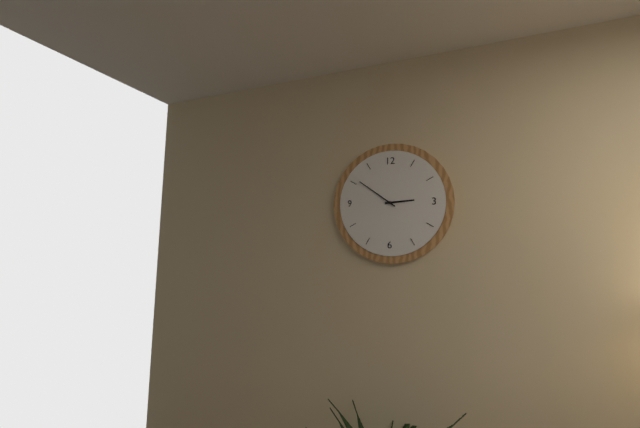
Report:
2h51
